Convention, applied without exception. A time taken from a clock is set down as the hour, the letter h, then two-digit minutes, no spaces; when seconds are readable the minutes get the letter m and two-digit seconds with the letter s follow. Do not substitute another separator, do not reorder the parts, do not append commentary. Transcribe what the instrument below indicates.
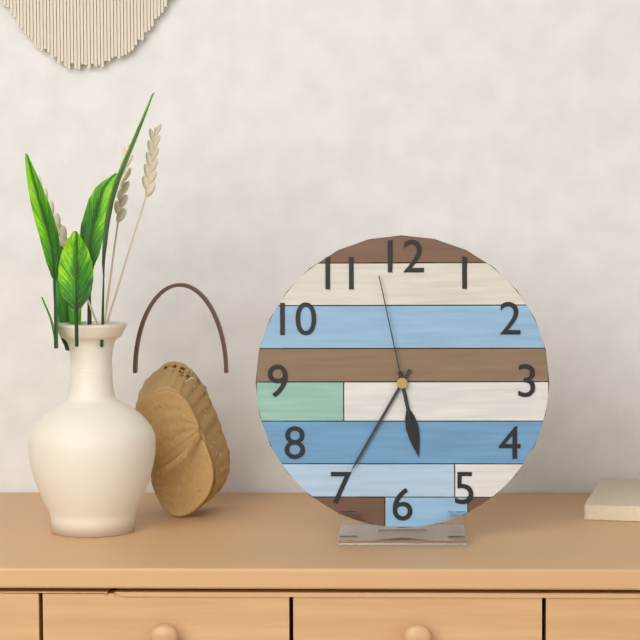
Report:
5h35m58s
